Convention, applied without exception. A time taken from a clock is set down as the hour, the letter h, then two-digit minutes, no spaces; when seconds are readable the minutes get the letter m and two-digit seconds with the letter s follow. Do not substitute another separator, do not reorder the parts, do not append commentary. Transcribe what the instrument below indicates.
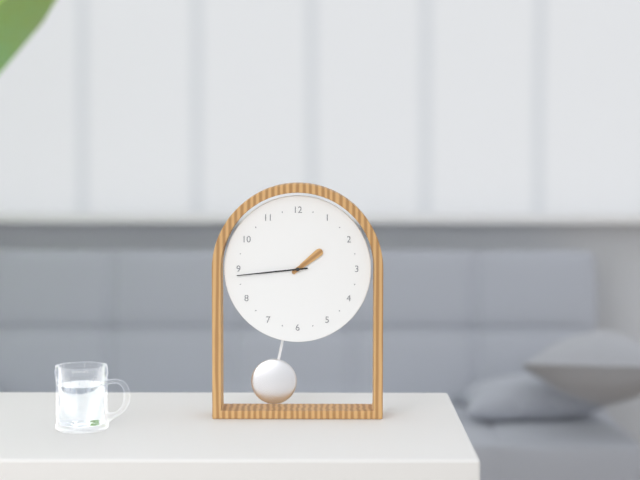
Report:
1h44
